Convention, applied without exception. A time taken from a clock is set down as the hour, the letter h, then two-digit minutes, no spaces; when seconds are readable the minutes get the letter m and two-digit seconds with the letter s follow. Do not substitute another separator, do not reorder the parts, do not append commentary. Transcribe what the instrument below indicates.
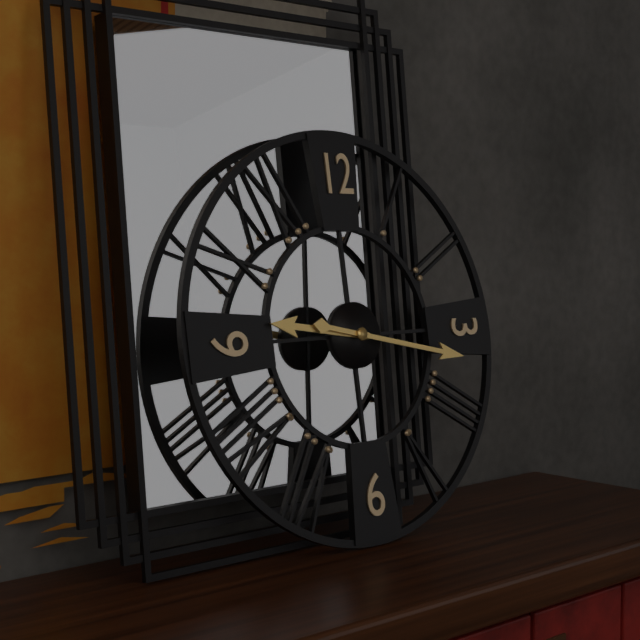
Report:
9h17
